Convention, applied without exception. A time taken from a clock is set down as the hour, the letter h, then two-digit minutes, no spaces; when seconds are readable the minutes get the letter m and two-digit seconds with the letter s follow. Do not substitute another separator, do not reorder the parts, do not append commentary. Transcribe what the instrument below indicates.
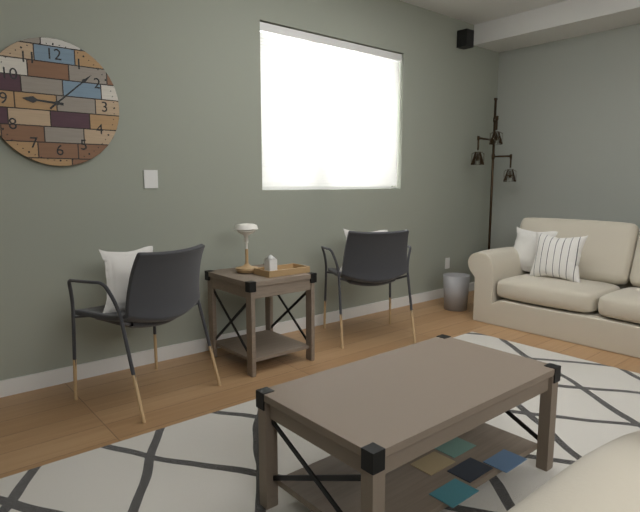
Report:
9h08
